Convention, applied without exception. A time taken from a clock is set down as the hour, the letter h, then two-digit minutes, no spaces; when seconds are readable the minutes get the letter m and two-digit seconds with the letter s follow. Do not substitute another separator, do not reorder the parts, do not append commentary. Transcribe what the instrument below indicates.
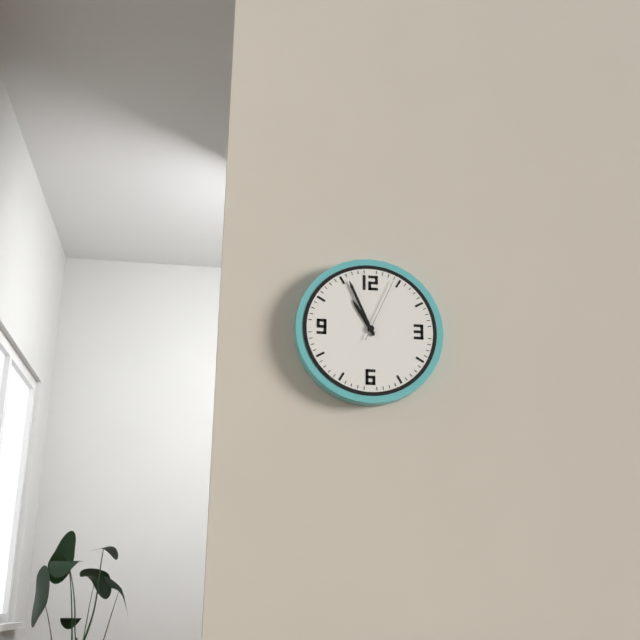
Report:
10h56m04s
